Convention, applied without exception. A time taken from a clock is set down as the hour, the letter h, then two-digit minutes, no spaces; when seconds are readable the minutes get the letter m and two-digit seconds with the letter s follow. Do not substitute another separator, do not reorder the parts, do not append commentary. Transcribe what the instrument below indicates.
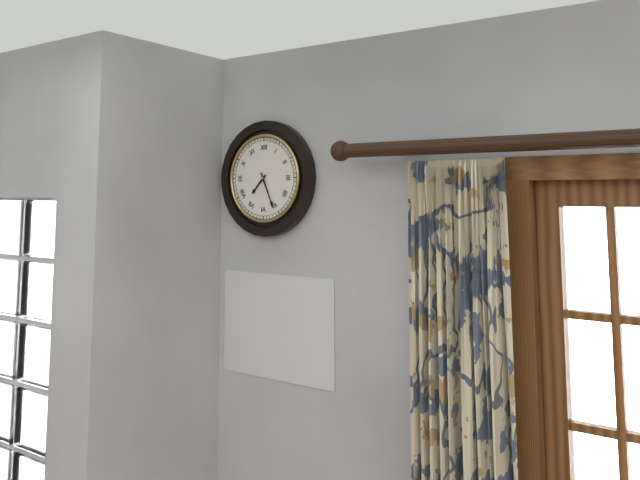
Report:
7h26
